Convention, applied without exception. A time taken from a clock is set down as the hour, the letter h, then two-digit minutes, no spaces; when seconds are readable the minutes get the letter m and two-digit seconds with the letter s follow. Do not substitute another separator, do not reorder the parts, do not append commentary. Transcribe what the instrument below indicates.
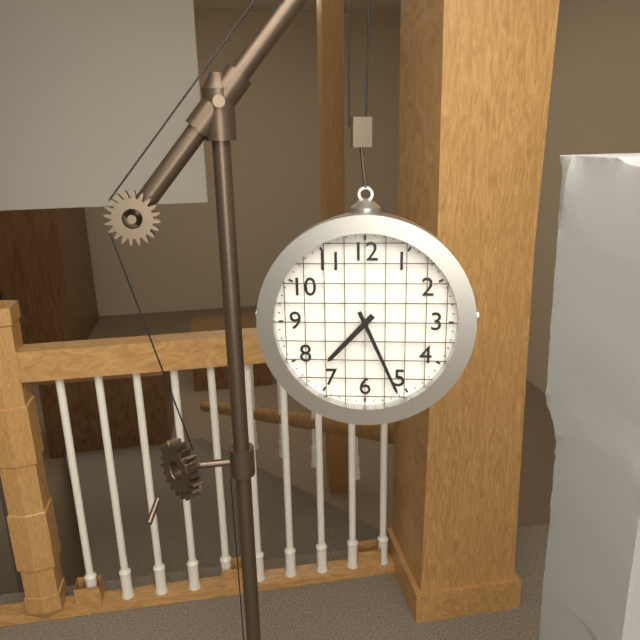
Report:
7h26
